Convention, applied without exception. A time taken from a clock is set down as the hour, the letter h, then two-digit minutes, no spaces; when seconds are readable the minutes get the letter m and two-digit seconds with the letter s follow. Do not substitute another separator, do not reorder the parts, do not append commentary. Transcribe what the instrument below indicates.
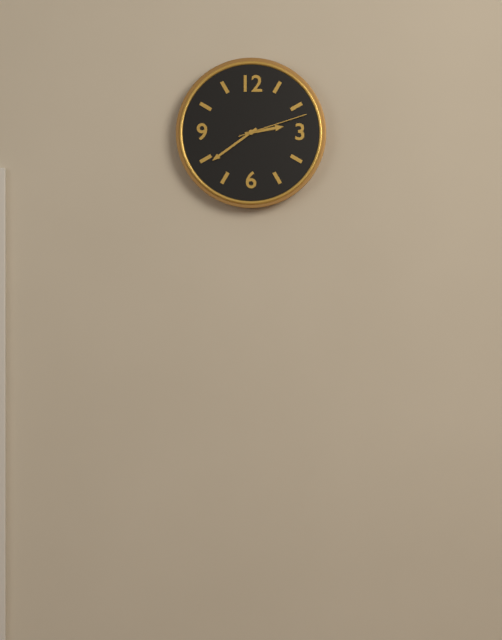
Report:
2h39m12s
